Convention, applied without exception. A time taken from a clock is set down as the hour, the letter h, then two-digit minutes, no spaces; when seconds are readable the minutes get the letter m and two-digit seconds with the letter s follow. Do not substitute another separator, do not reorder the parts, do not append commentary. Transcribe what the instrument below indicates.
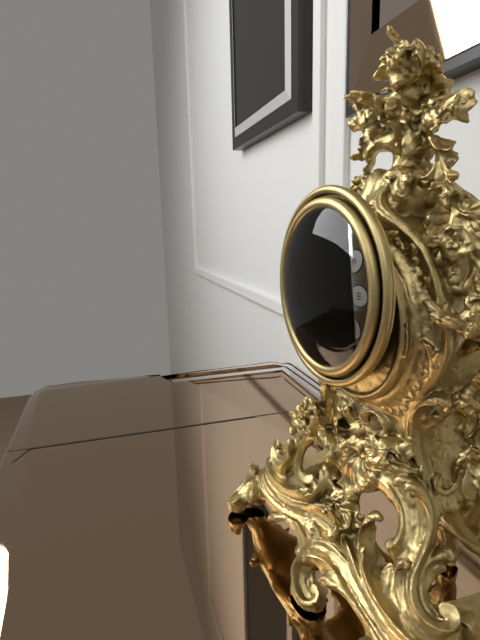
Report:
3h08m01s
